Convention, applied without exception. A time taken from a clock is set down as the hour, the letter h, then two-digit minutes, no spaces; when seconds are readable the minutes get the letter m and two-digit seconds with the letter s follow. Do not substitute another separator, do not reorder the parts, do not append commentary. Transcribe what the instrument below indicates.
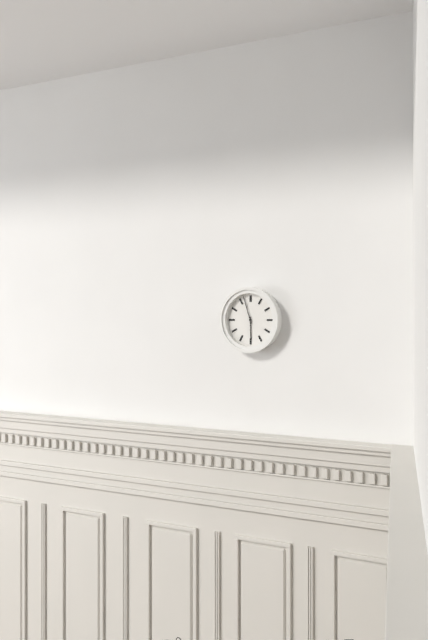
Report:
5h57
